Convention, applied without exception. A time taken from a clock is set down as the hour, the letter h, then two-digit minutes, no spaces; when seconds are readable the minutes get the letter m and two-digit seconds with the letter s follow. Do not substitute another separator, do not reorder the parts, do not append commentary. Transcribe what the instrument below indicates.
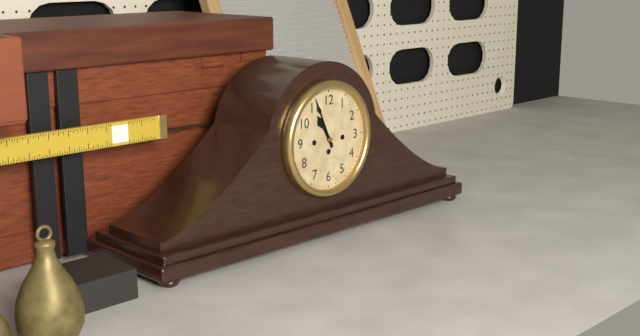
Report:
10h56
